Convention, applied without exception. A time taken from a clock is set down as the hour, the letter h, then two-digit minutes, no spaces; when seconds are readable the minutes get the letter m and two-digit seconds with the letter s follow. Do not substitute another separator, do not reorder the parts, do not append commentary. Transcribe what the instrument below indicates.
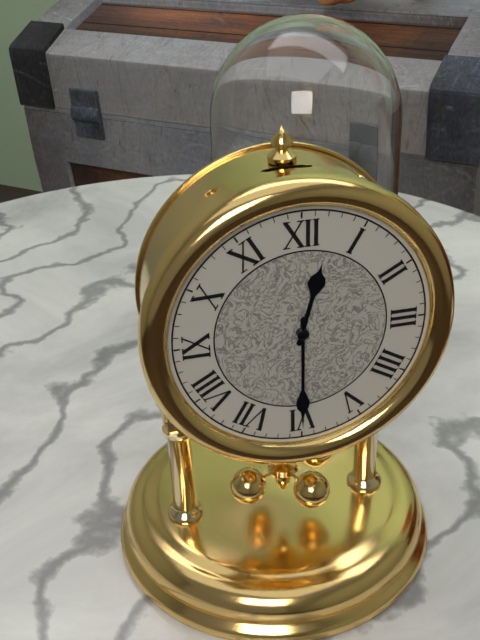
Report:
12h30
